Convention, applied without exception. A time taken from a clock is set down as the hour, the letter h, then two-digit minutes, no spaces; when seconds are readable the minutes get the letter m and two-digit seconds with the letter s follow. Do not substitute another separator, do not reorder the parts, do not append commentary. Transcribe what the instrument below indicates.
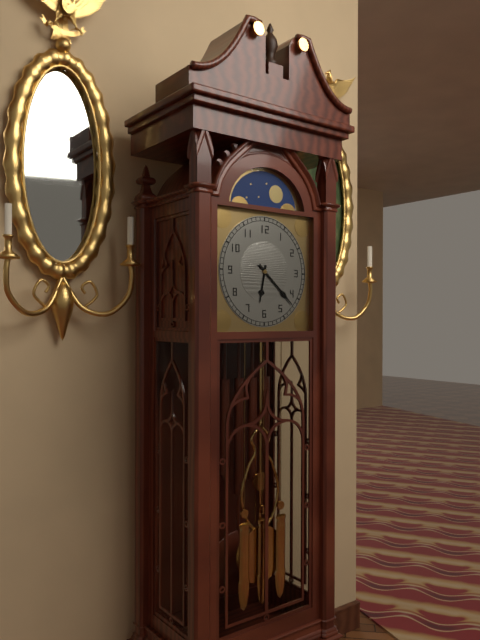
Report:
6h22
